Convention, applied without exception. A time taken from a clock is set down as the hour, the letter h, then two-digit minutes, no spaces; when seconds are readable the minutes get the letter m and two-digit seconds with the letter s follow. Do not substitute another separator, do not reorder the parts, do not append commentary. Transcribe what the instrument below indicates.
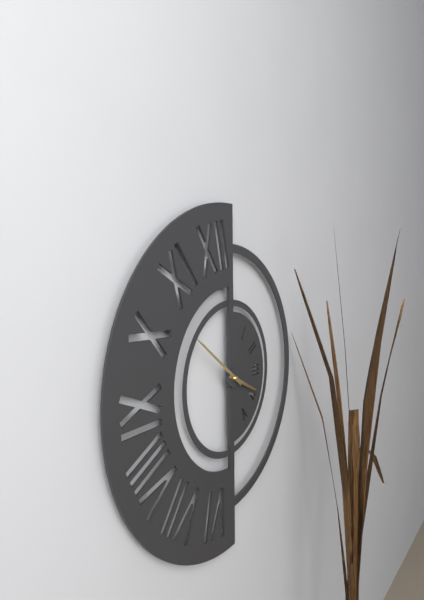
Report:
3h51
